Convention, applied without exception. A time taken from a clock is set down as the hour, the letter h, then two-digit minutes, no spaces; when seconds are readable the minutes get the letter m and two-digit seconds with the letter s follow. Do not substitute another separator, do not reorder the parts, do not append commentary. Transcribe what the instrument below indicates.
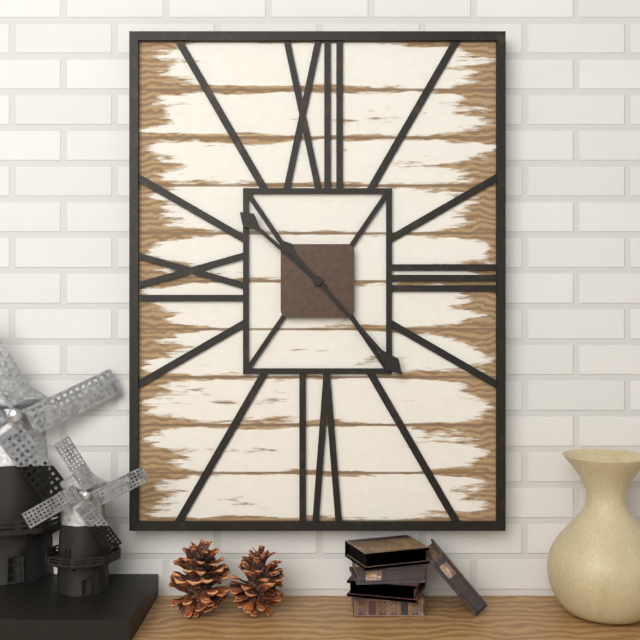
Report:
10h23
